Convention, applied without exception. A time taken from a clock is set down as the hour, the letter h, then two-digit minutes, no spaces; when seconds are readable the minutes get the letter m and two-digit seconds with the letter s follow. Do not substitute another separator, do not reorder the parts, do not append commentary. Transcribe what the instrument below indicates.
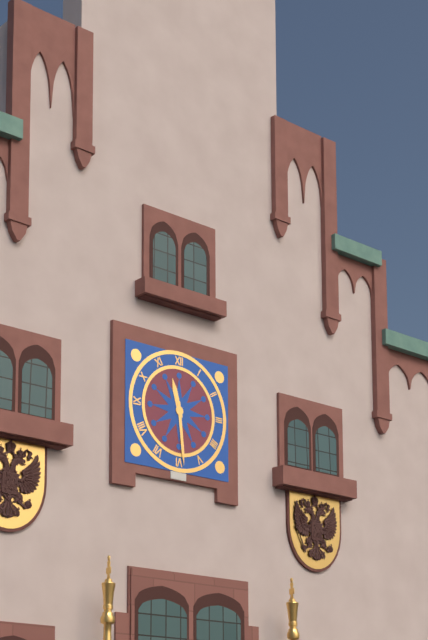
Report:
11h29
